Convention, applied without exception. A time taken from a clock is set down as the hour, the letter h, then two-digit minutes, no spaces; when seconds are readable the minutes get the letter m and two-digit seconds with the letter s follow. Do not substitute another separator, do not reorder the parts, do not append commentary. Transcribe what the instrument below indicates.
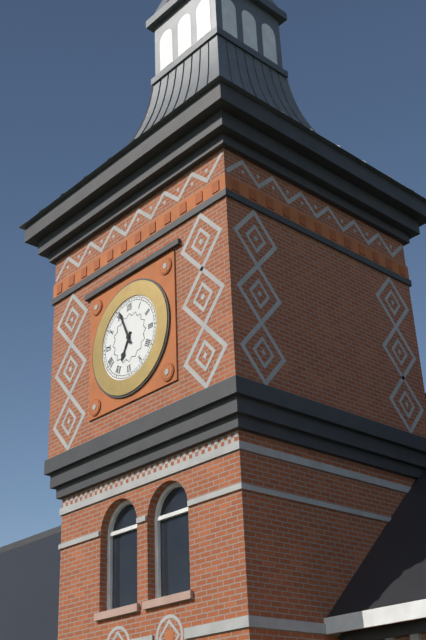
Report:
6h56
